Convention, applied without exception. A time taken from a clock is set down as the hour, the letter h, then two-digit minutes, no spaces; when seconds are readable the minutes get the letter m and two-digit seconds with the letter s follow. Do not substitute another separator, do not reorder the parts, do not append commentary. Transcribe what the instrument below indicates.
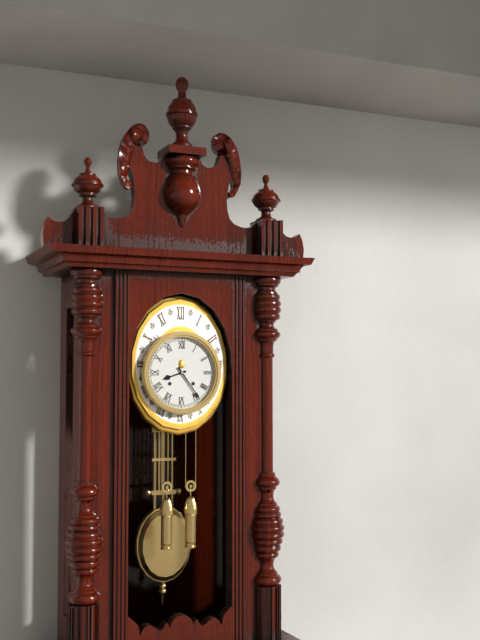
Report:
8h24
